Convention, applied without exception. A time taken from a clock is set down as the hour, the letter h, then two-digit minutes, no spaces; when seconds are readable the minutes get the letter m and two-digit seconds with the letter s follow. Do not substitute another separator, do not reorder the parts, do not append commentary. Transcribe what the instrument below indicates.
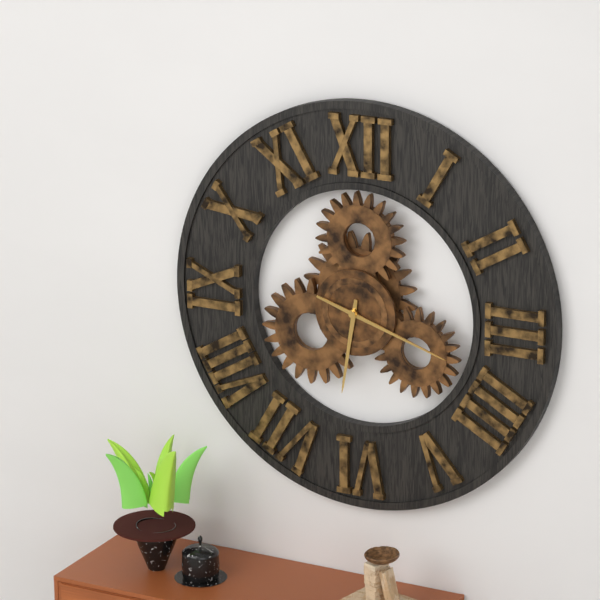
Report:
6h18
